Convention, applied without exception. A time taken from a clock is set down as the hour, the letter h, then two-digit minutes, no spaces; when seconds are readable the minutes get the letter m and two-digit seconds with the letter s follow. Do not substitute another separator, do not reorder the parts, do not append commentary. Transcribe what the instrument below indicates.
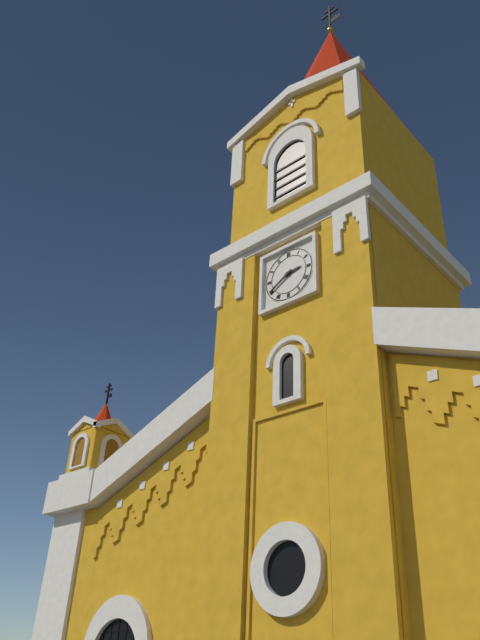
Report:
2h40
